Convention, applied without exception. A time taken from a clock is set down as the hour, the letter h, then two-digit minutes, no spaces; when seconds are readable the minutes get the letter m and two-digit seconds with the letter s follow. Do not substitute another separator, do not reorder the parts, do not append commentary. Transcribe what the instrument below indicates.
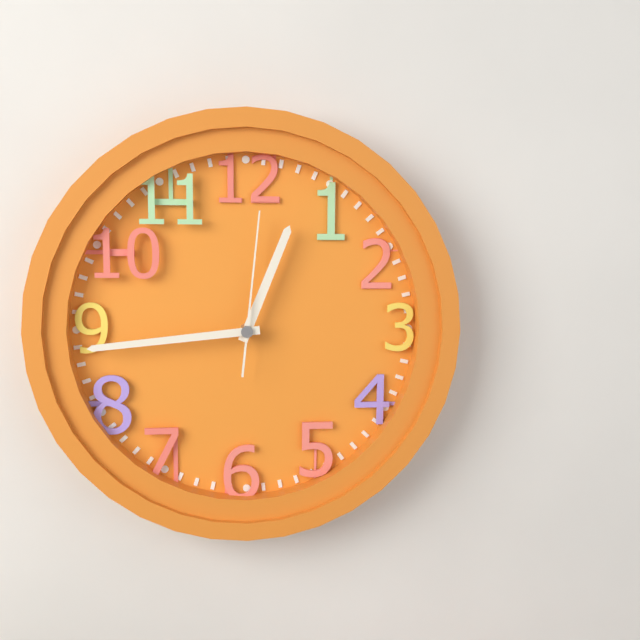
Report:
12h44m01s
